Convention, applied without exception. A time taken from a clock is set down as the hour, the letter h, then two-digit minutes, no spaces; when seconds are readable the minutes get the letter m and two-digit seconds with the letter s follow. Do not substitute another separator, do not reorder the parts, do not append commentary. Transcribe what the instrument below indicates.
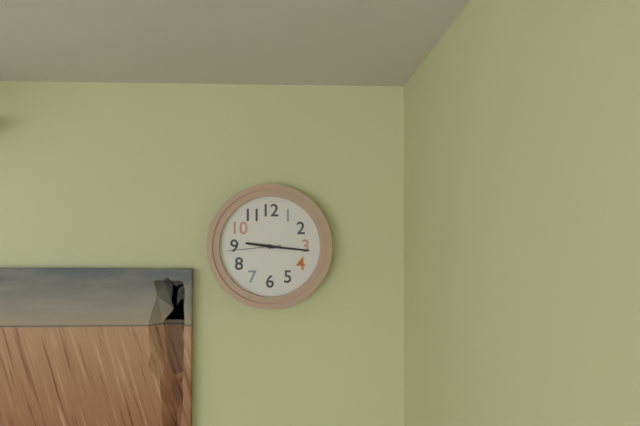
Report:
9h16m44s
